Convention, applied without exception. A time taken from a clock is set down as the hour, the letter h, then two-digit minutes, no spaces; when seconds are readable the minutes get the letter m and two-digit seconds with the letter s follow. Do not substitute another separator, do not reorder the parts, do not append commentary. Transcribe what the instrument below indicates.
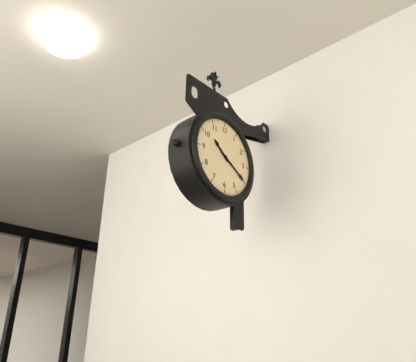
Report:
10h20
